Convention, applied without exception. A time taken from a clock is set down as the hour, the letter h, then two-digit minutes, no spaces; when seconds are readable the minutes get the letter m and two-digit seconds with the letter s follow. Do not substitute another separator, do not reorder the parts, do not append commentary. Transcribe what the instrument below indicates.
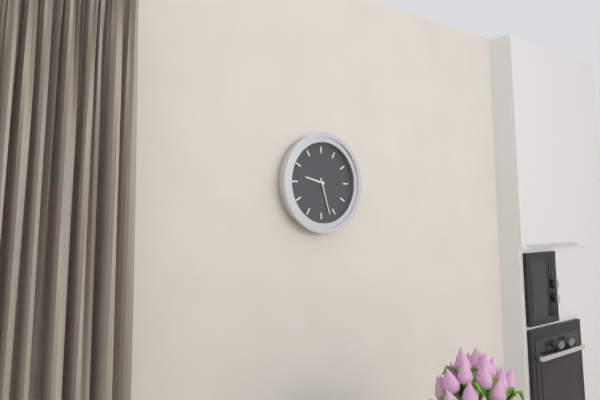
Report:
9h27
